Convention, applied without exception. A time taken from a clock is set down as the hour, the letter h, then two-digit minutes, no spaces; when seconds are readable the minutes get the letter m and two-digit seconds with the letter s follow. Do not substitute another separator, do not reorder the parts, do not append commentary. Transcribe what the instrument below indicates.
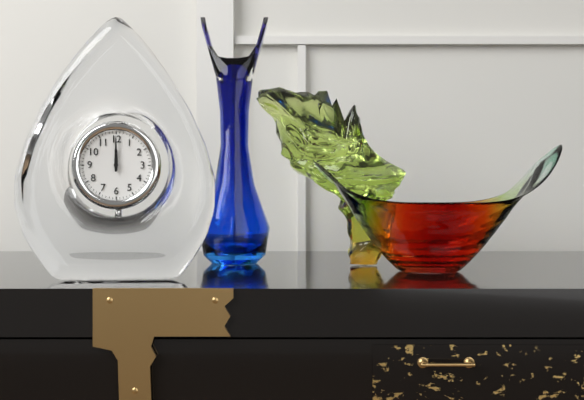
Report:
12h00
